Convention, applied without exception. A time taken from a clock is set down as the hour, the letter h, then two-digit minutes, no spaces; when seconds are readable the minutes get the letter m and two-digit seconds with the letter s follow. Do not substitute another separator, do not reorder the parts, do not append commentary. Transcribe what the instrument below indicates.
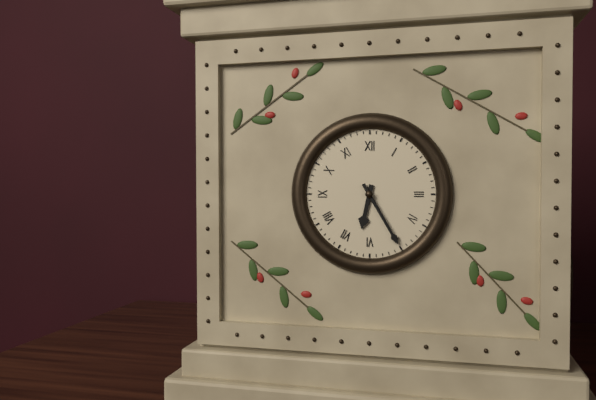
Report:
6h25
